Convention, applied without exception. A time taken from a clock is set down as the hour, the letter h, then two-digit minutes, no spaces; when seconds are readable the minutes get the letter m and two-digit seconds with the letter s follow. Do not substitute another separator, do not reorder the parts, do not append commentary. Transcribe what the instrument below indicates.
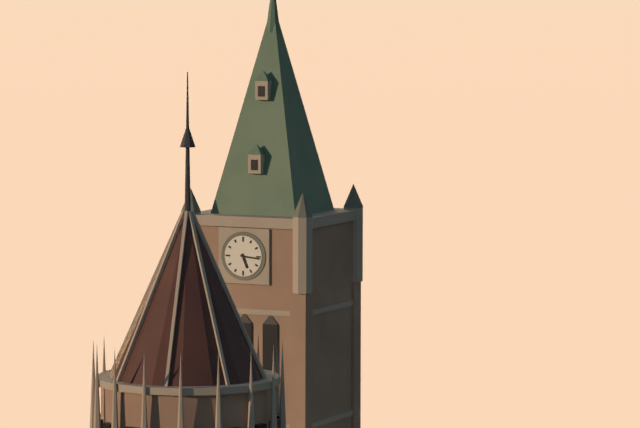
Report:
5h16
